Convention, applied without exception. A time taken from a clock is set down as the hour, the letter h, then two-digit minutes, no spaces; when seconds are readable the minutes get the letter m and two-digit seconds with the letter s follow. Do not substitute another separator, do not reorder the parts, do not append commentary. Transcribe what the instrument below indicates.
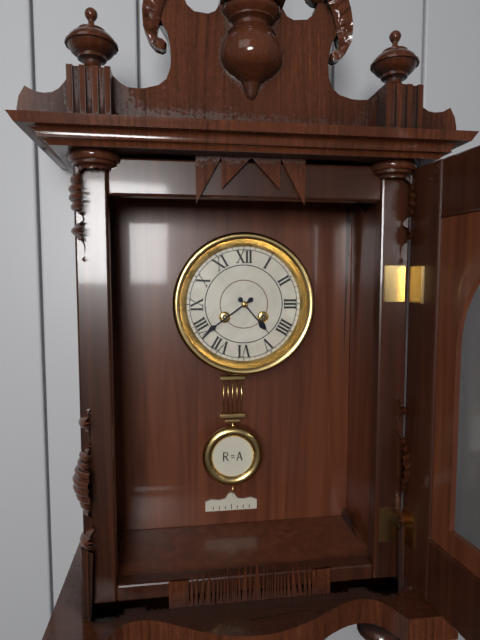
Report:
4h39
